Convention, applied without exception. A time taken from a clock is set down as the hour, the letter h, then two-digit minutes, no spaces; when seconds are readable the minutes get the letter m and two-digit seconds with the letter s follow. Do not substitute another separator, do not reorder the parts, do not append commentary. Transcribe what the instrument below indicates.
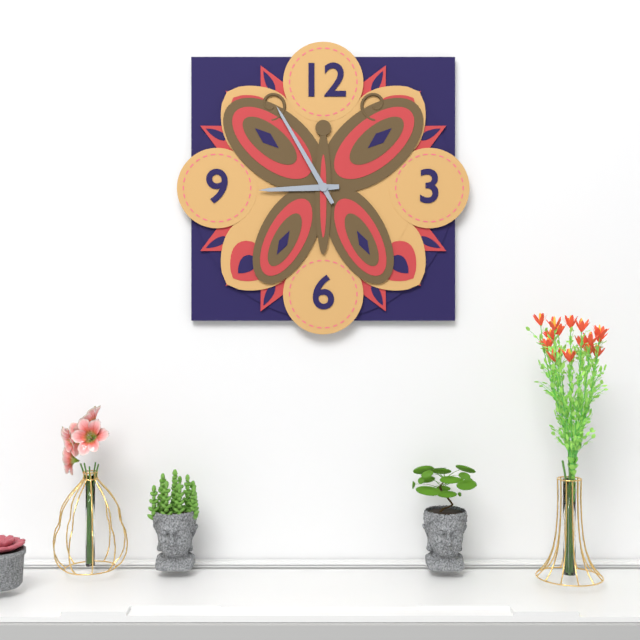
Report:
8h55
